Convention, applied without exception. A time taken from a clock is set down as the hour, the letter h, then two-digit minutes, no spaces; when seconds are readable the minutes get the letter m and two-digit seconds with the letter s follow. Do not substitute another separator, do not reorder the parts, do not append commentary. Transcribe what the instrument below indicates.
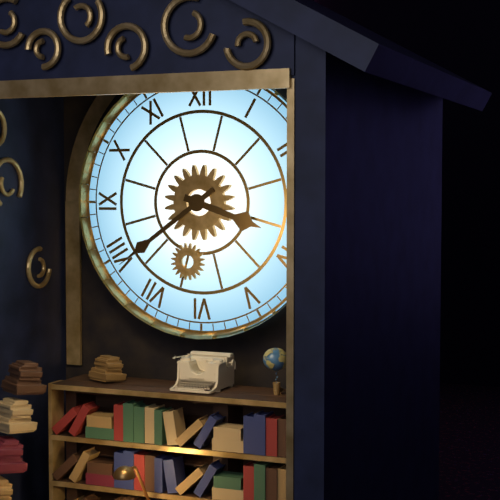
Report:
3h39
